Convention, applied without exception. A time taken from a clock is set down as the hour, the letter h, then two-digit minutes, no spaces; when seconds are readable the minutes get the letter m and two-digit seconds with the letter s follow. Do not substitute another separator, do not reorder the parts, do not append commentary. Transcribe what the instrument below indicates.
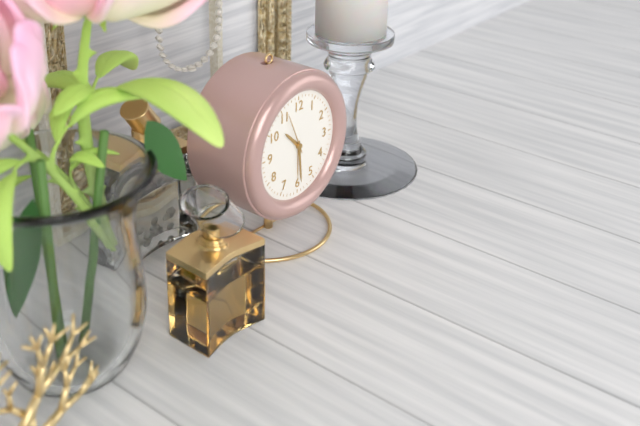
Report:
10h29
